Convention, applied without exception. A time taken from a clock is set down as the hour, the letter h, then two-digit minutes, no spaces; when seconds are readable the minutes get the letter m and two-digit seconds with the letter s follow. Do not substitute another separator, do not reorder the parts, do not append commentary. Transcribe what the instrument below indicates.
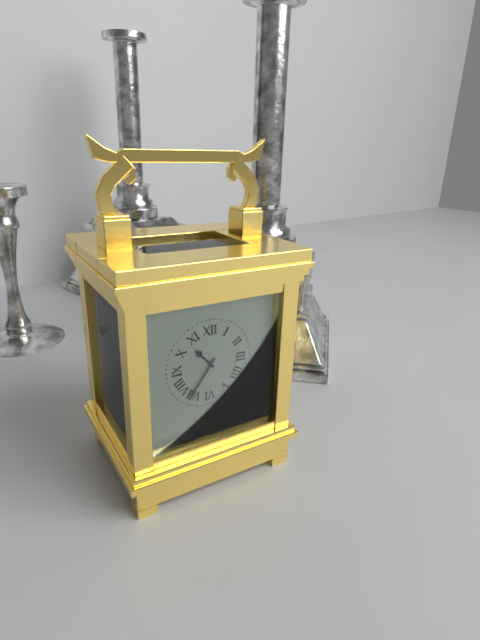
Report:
10h36
